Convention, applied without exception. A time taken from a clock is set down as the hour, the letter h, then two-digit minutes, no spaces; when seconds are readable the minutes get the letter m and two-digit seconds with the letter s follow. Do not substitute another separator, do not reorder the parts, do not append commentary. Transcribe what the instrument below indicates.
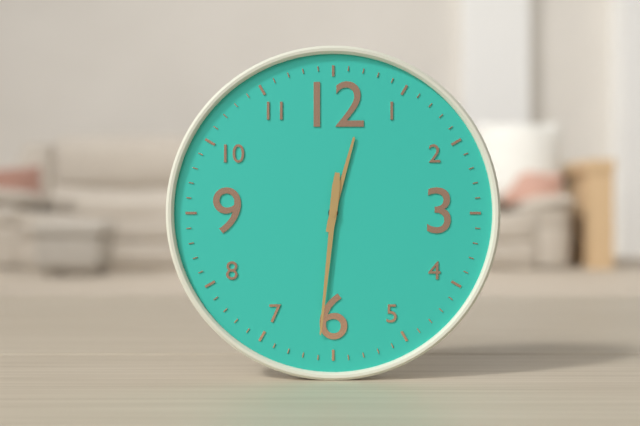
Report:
12h31
